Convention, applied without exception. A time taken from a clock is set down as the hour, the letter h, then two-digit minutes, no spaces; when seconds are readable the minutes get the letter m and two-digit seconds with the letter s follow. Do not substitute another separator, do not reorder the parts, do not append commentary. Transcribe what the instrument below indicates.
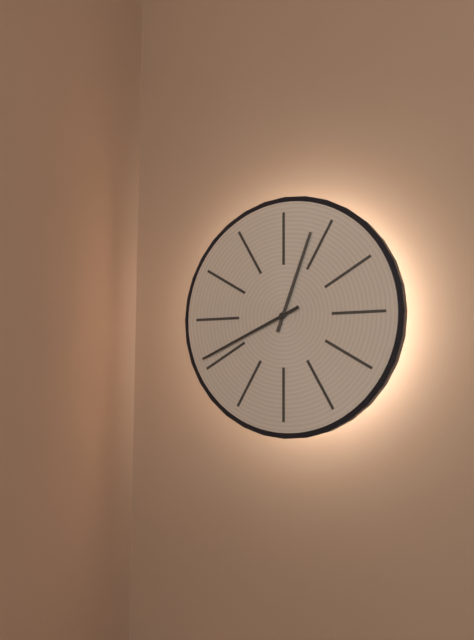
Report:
12h41
